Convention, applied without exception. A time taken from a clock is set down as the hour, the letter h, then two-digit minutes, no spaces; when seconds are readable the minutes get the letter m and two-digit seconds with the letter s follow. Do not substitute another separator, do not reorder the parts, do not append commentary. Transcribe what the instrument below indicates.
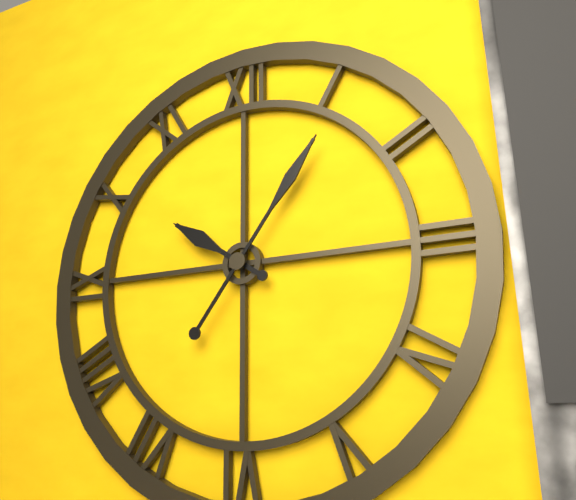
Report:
10h06
